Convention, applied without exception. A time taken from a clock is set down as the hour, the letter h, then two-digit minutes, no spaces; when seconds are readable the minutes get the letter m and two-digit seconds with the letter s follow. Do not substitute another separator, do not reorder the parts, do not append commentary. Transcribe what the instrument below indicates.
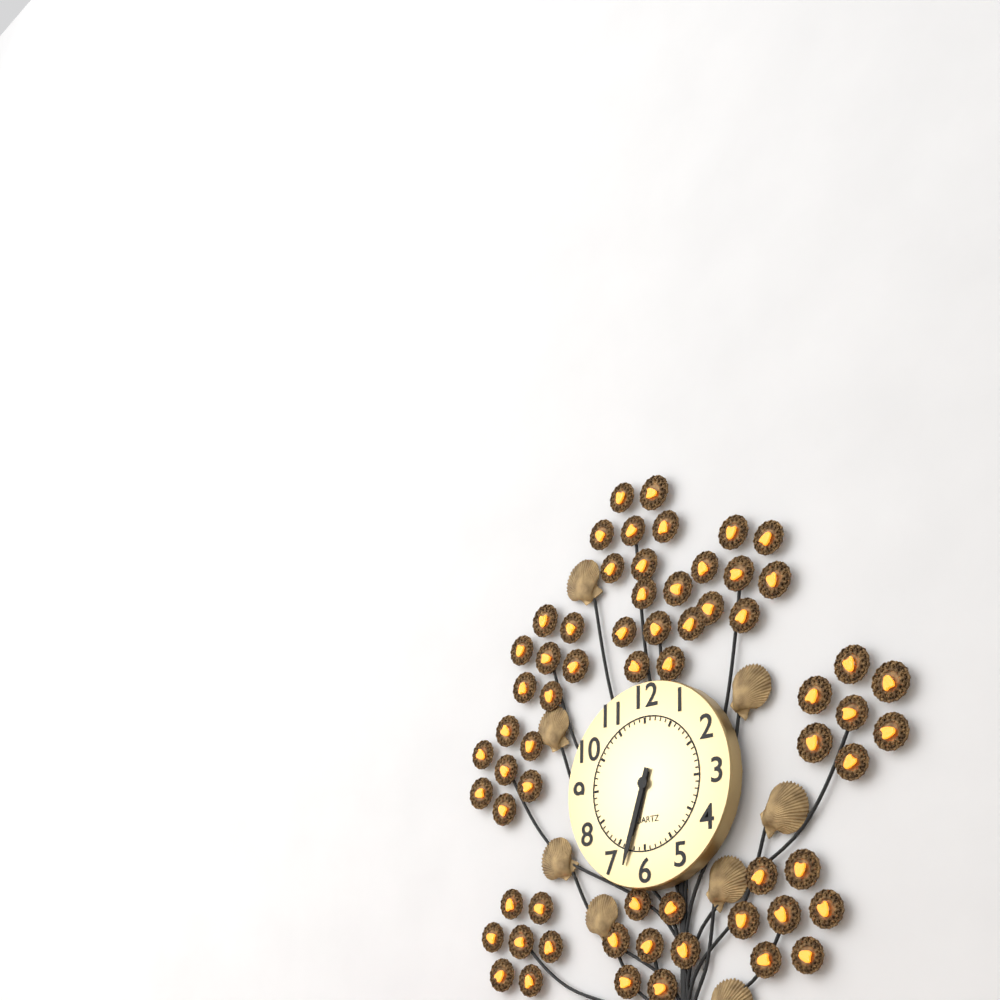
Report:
6h33
